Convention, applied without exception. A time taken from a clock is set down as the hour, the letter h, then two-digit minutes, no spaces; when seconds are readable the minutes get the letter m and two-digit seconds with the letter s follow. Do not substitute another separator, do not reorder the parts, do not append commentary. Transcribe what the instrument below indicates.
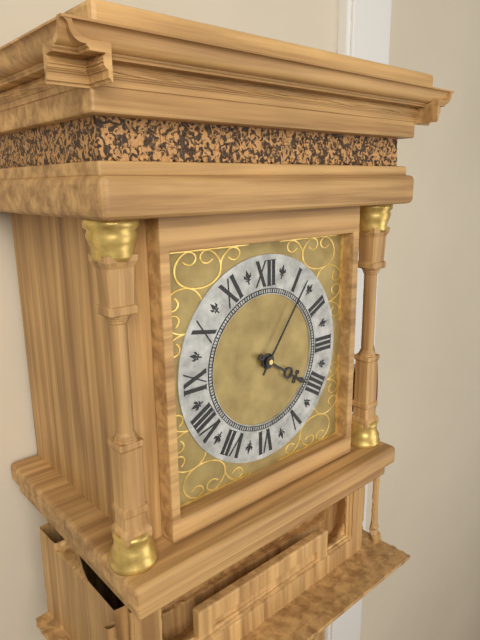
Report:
4h06
